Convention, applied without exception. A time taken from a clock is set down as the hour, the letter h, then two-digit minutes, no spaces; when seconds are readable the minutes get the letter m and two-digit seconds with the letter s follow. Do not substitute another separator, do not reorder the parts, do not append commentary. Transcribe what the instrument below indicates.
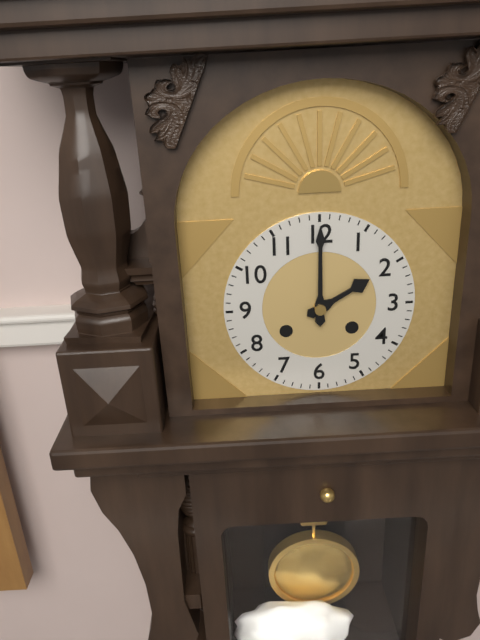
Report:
2h00
